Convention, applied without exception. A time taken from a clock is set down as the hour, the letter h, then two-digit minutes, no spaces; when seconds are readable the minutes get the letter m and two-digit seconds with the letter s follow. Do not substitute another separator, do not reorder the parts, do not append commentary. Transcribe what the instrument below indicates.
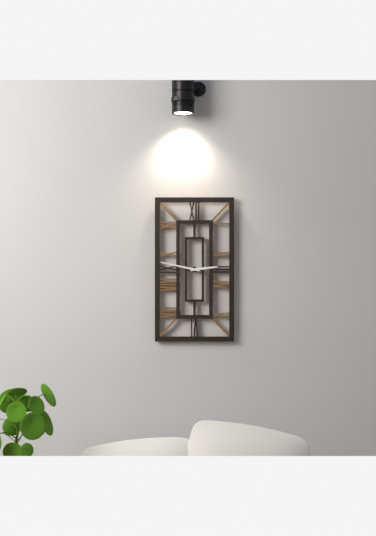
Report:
2h47
